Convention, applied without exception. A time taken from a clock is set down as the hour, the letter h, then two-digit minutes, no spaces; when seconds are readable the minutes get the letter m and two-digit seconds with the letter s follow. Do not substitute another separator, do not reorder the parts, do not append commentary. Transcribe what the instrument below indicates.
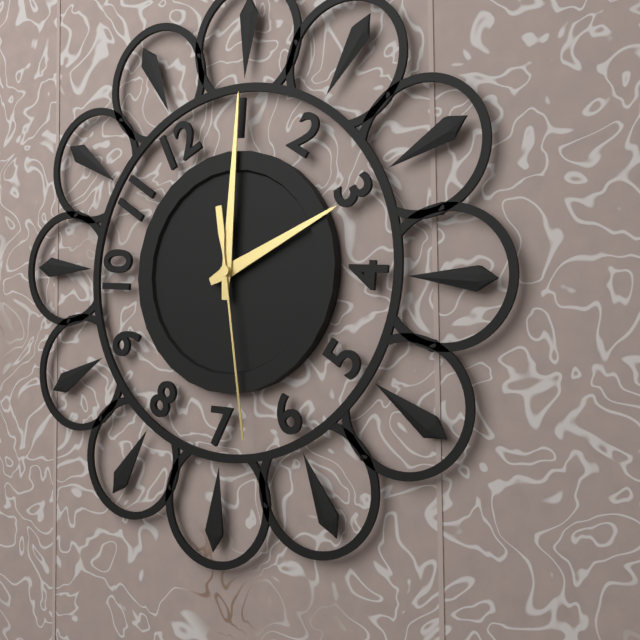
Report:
3h05m33s
